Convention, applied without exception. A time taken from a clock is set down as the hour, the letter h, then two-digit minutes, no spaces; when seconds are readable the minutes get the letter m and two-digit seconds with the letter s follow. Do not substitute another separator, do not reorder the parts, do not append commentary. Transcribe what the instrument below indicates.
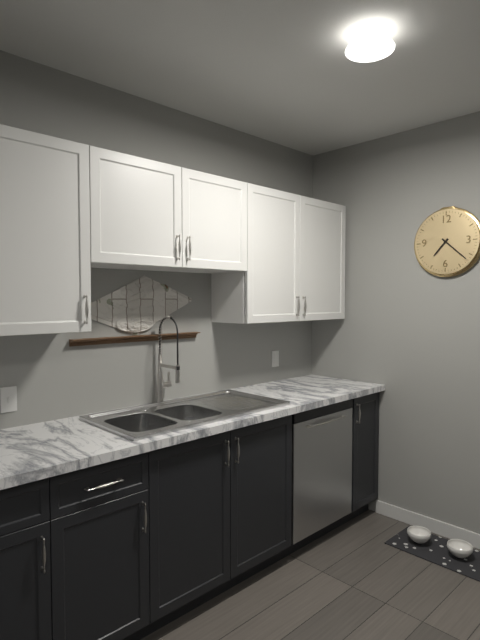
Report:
7h22
